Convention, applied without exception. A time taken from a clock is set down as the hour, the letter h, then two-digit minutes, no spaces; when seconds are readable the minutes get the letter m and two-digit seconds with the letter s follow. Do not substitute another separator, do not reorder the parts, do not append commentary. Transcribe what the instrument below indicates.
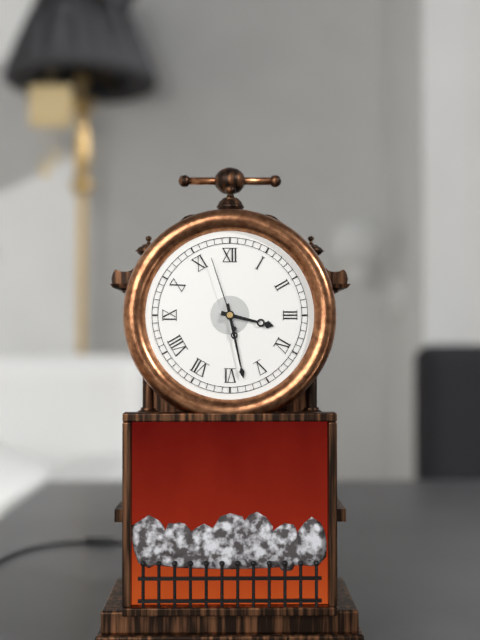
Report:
3h28m57s
